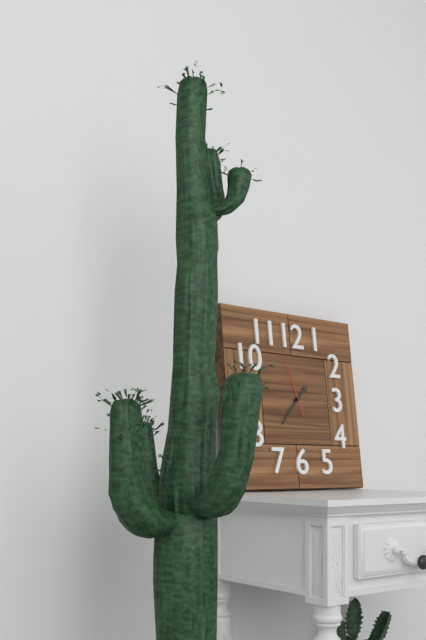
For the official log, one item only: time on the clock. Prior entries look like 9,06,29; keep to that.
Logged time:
1,37,57
